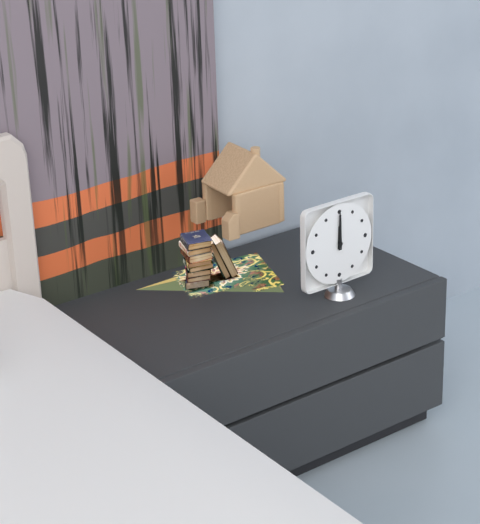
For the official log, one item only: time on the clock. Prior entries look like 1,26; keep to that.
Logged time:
12,00
